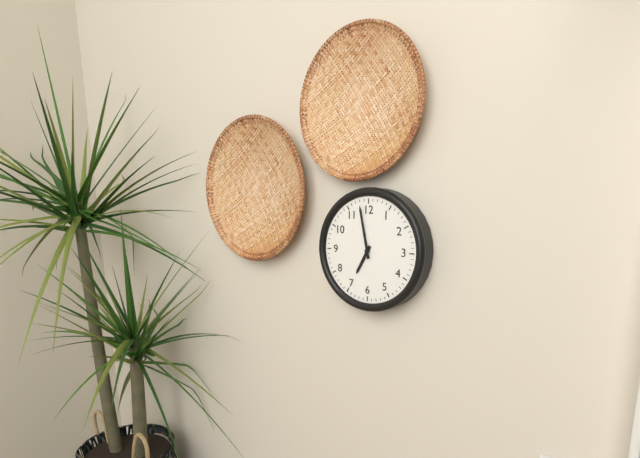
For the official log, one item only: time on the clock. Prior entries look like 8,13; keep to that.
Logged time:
6,58
